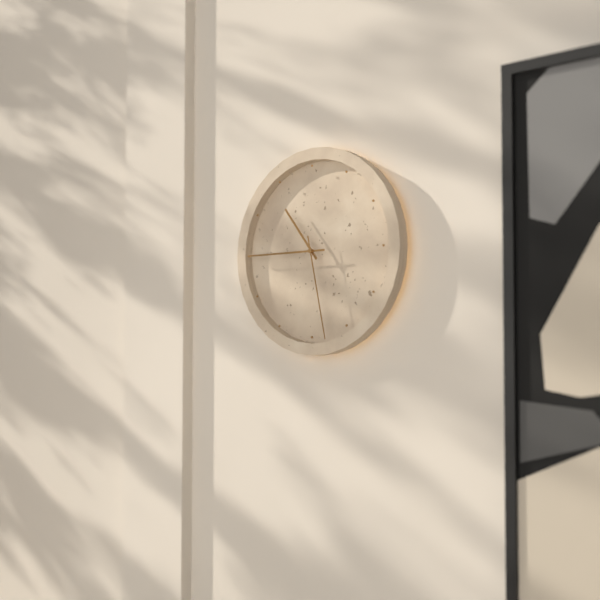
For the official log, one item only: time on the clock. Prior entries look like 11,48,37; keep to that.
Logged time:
10,45,28
